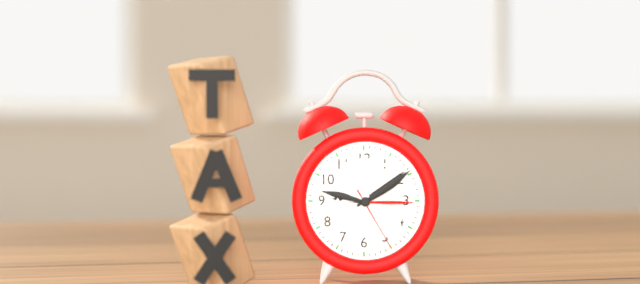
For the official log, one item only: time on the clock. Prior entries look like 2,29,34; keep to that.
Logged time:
9,09,25
